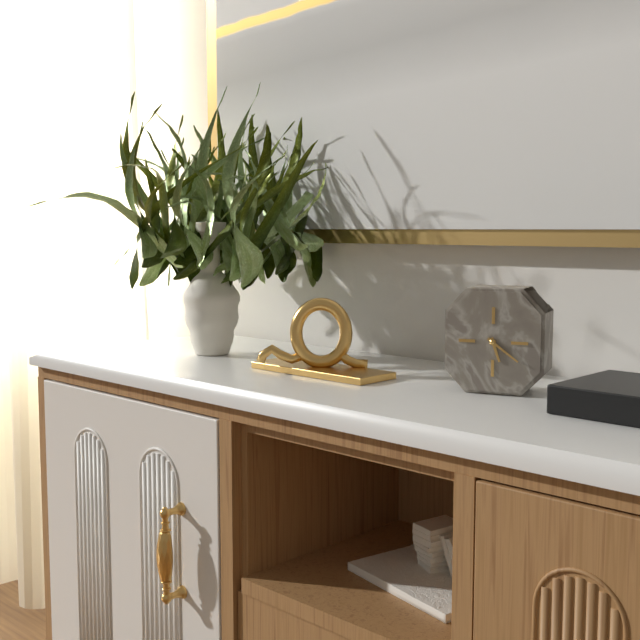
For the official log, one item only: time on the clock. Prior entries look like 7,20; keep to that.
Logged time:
5,21
